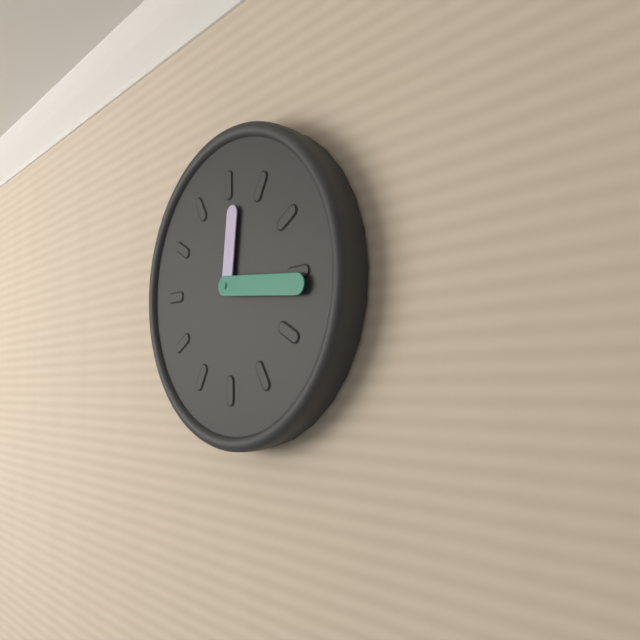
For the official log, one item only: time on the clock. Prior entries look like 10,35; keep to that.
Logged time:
12,16
